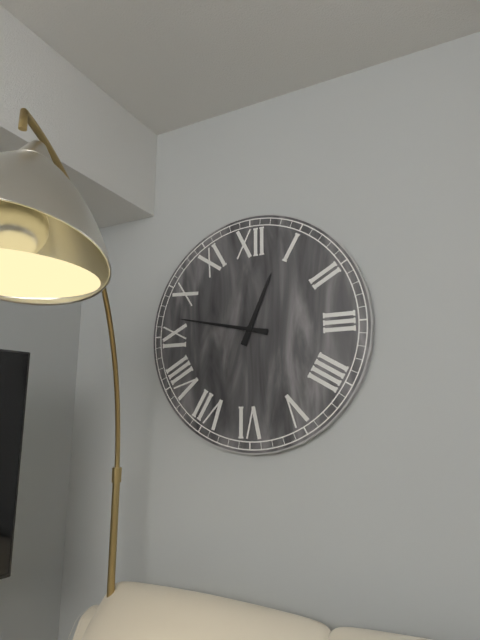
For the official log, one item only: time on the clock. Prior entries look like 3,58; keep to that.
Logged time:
12,47
